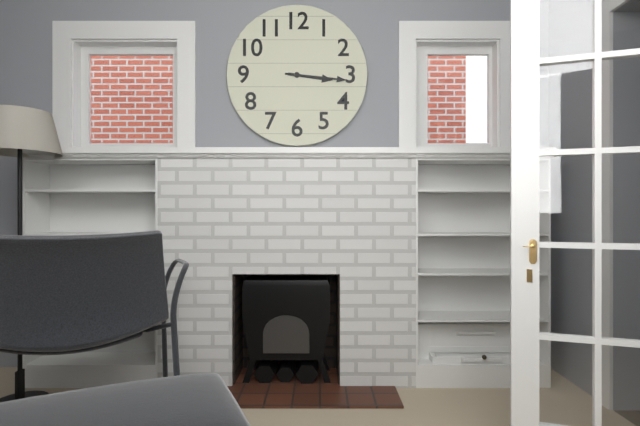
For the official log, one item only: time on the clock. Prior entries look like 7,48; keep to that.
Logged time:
3,16
